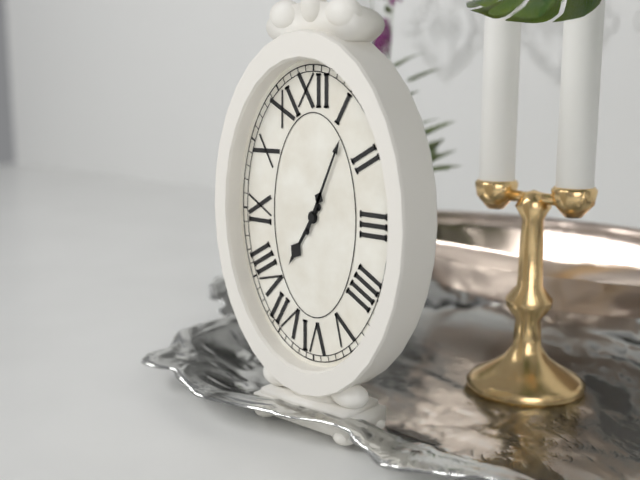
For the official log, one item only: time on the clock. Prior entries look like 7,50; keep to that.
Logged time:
7,04
